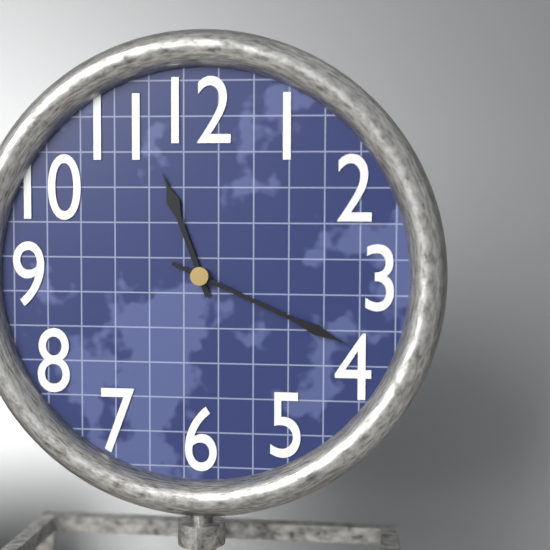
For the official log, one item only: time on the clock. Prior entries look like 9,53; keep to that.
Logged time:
11,19
